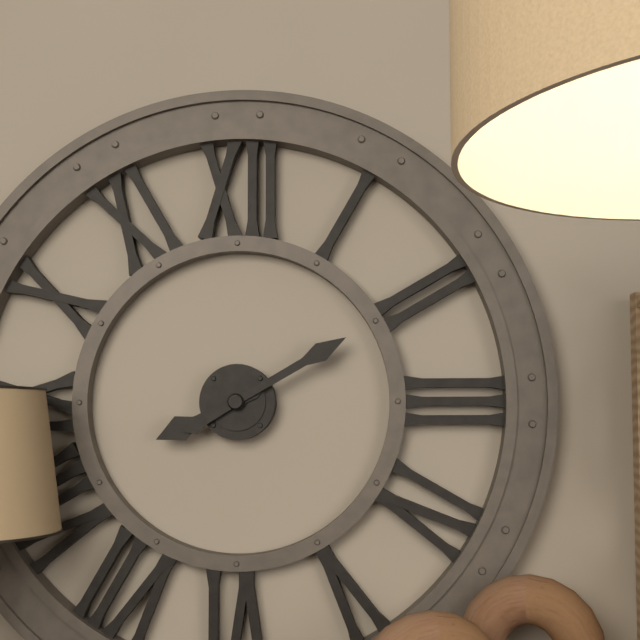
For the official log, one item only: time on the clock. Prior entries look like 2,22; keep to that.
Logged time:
8,10
